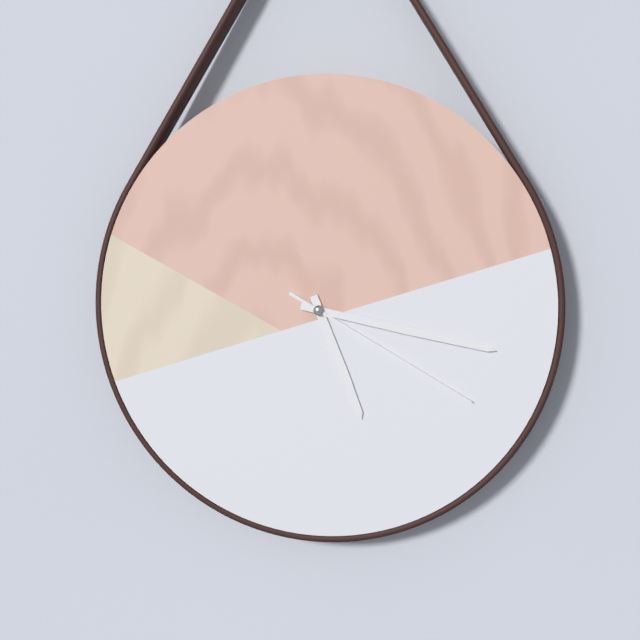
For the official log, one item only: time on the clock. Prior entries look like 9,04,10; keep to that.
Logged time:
5,17,20
